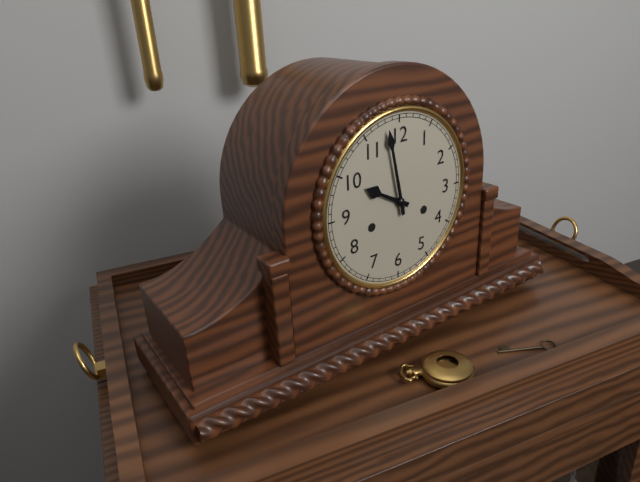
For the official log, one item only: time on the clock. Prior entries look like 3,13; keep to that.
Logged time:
9,58
